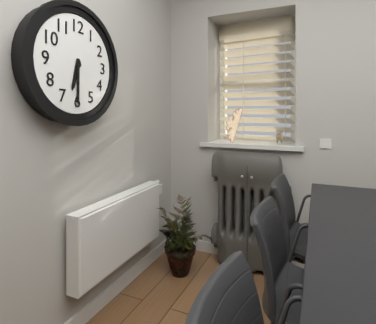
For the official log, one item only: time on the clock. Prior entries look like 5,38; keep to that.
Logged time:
6,30
